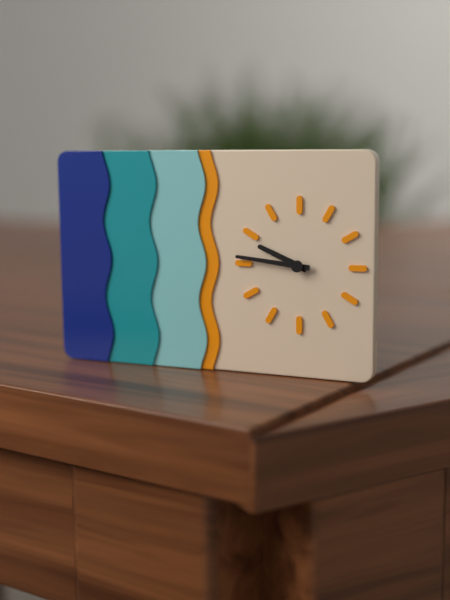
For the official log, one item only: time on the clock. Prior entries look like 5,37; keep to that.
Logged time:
9,46
